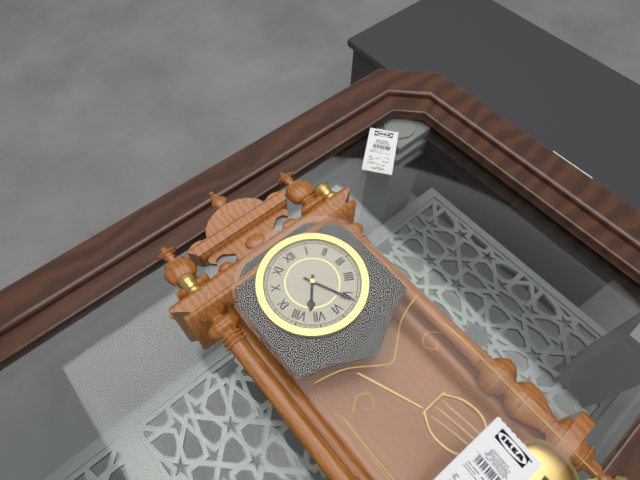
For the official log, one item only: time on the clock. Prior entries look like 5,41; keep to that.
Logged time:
7,26
